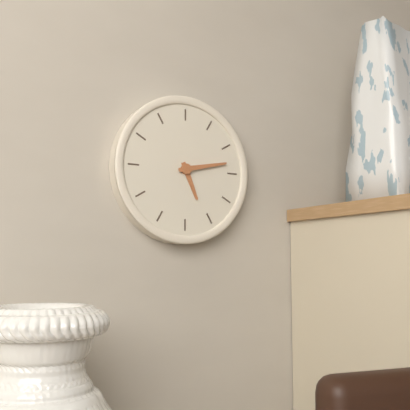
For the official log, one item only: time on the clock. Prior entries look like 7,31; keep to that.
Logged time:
5,13
